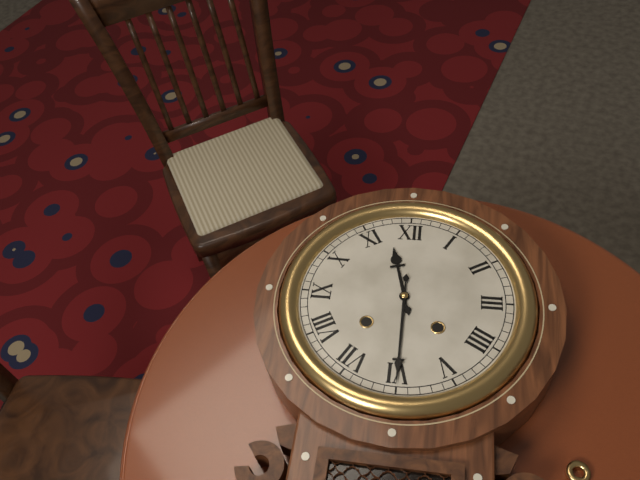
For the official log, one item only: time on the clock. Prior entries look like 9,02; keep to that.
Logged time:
11,30
